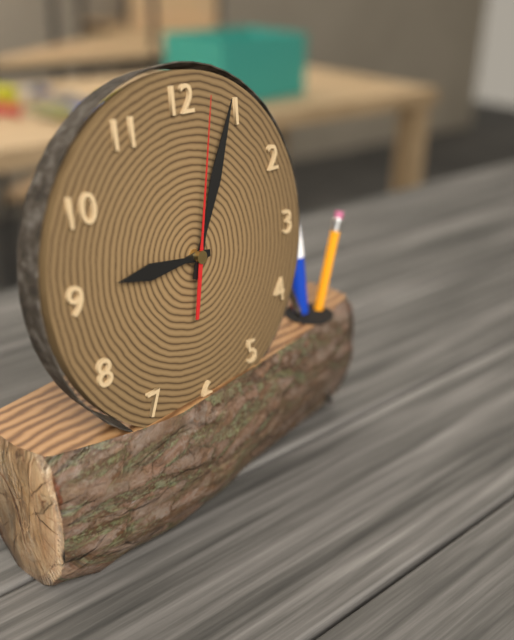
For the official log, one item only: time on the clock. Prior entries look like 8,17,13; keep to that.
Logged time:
9,04,02
